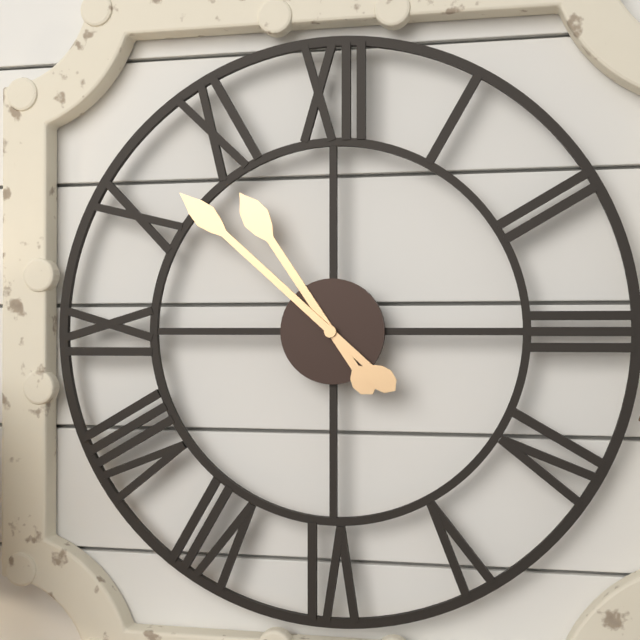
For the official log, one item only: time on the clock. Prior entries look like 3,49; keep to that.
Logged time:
10,52
